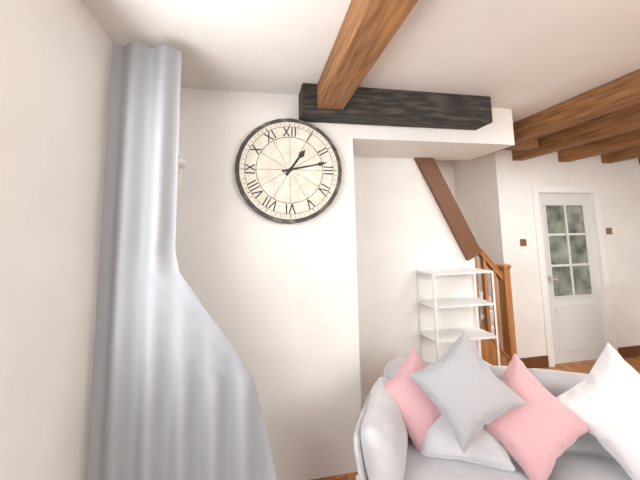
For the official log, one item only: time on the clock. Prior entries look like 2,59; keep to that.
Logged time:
1,13
